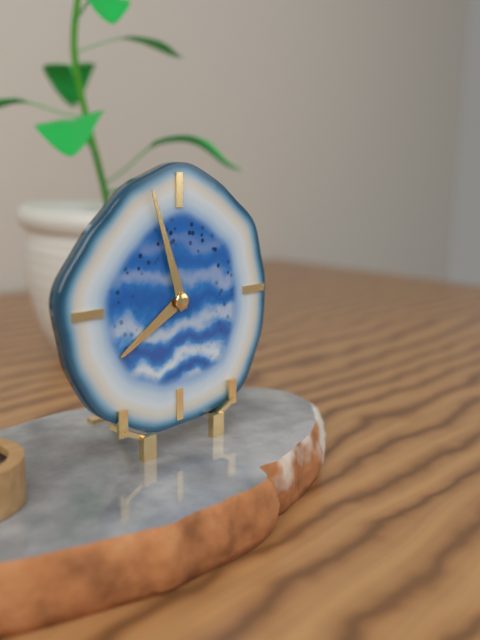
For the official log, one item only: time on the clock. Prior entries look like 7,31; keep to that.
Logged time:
7,57
